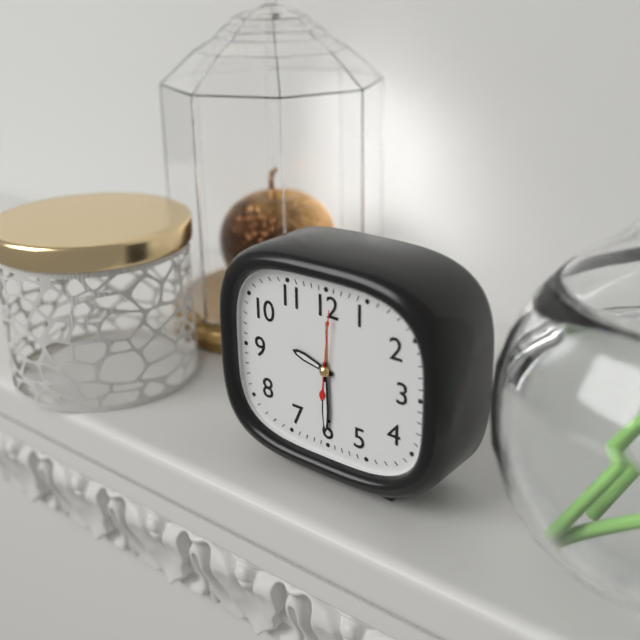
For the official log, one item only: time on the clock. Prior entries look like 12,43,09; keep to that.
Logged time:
9,30,01
